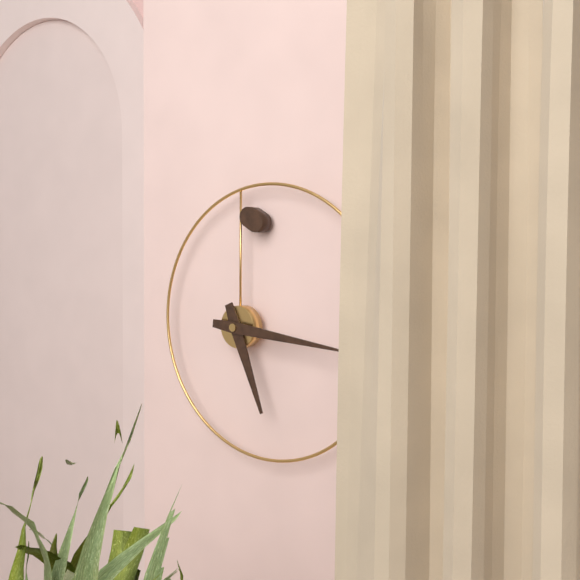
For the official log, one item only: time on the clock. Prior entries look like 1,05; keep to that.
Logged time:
5,16
